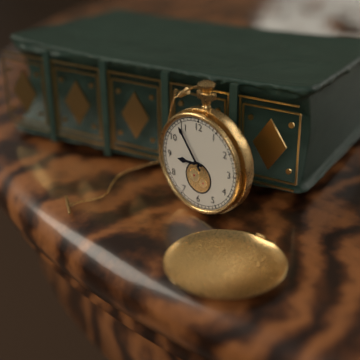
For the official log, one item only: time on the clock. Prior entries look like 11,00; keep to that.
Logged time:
8,54
